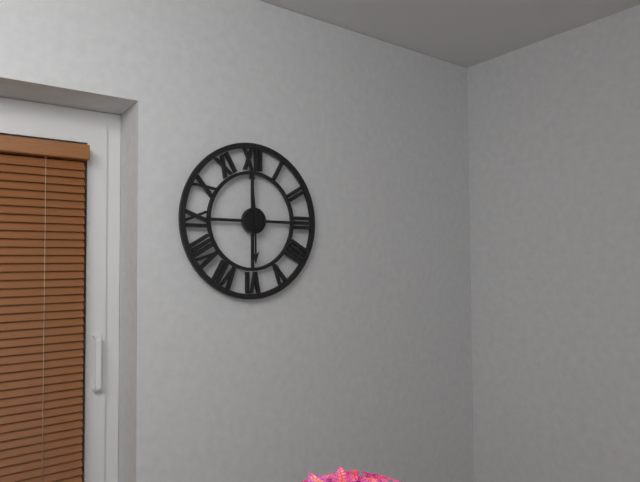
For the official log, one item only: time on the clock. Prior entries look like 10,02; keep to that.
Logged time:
5,59
